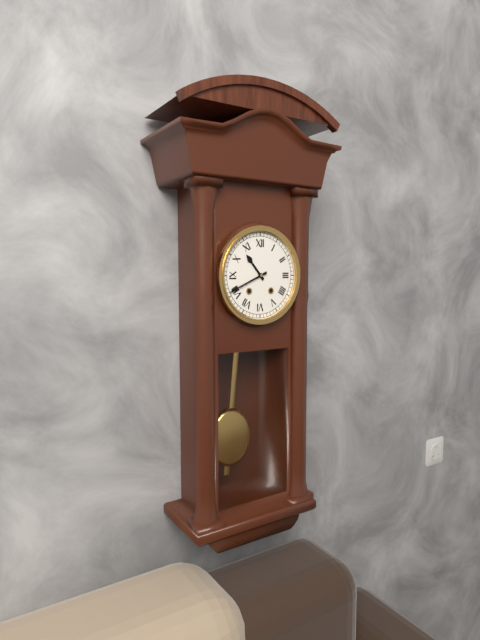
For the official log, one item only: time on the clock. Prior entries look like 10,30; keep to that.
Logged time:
10,41
